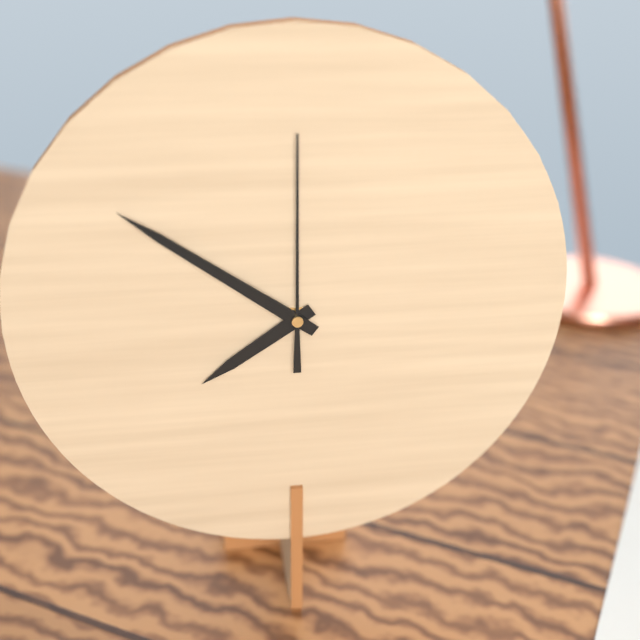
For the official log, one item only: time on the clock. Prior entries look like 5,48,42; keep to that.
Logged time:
7,51,00
